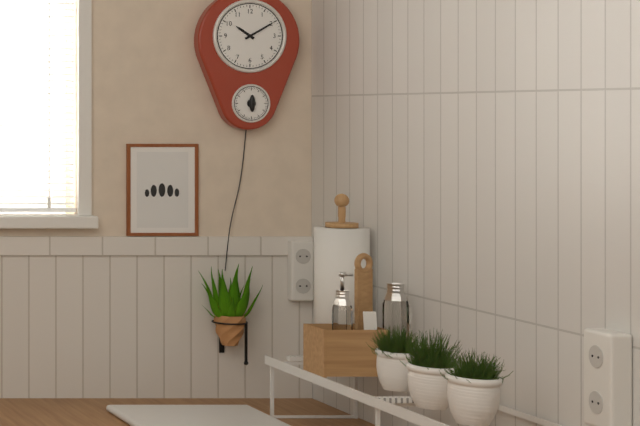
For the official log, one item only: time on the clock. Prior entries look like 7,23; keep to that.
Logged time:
10,10
